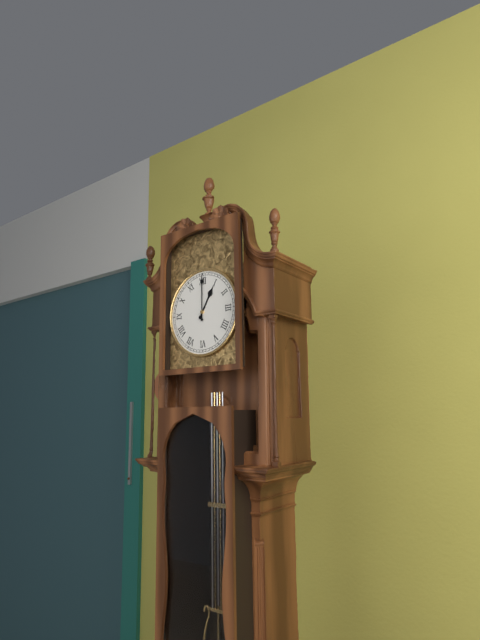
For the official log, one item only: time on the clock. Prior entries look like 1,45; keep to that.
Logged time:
1,00
